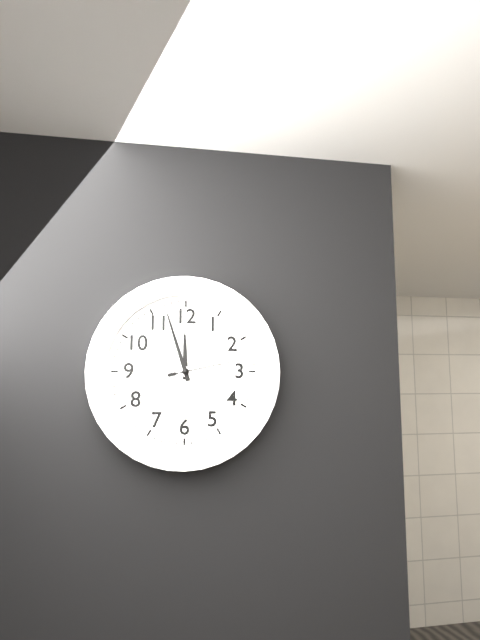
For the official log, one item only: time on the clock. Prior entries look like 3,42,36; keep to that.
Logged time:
11,57,13
